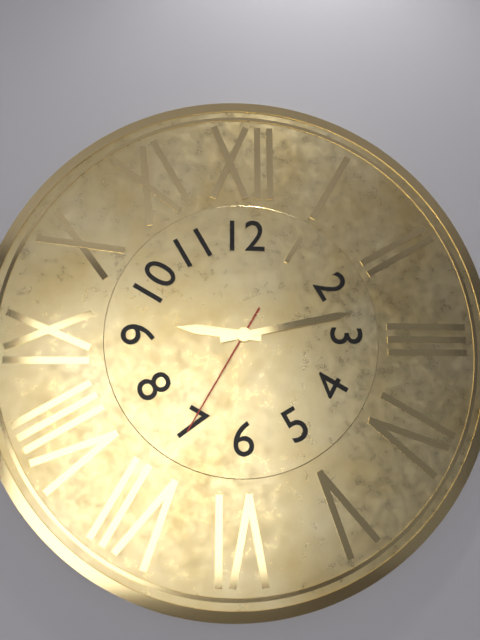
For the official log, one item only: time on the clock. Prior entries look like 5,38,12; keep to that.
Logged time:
9,13,35
